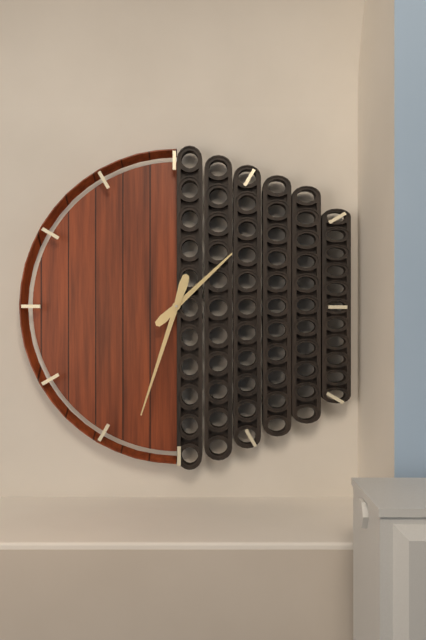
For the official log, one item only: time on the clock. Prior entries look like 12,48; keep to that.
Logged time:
1,33
